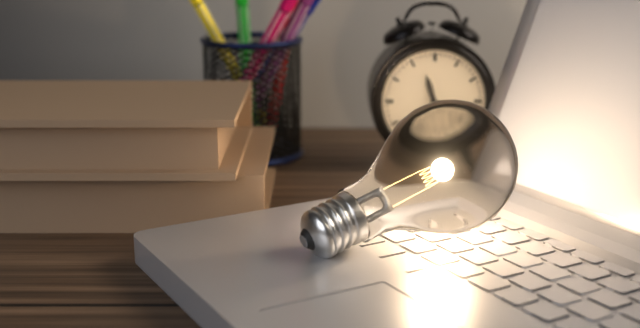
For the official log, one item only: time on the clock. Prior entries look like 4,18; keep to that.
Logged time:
11,26
